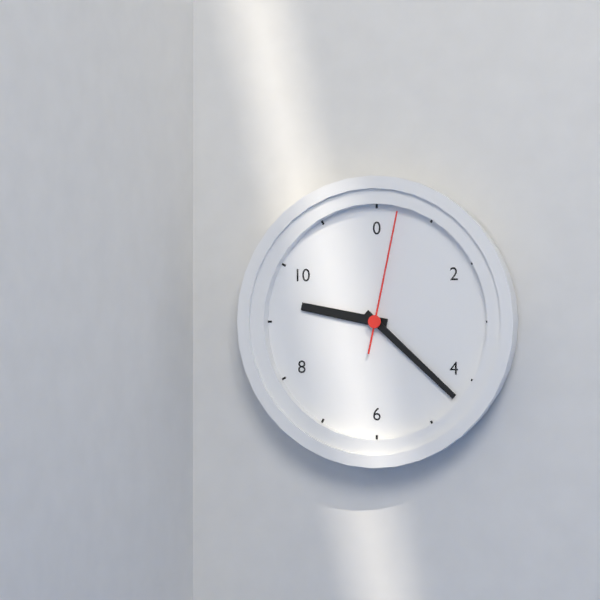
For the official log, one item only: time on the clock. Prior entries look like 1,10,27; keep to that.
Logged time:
9,22,02
